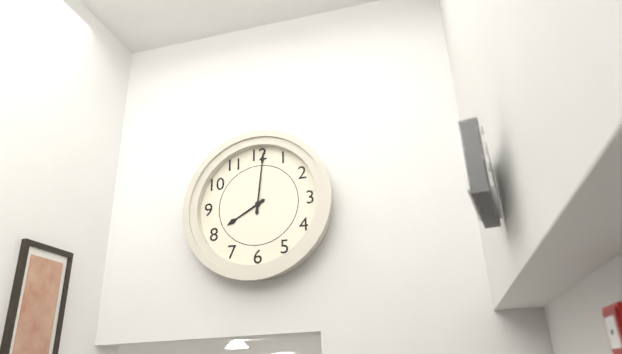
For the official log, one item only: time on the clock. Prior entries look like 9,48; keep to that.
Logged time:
8,01
